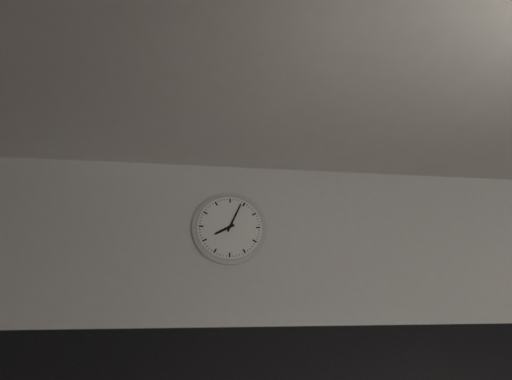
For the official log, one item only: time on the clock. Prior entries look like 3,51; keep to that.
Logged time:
8,04
